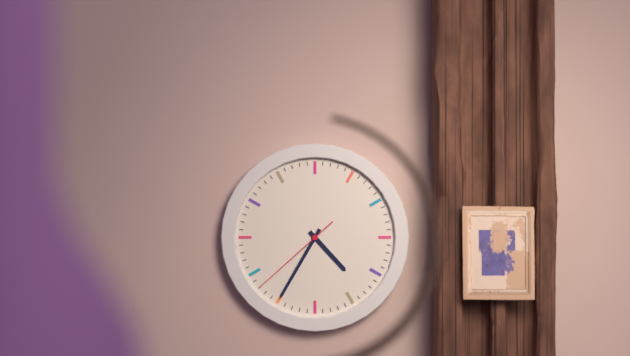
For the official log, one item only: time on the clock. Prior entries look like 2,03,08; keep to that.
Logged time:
4,35,38
